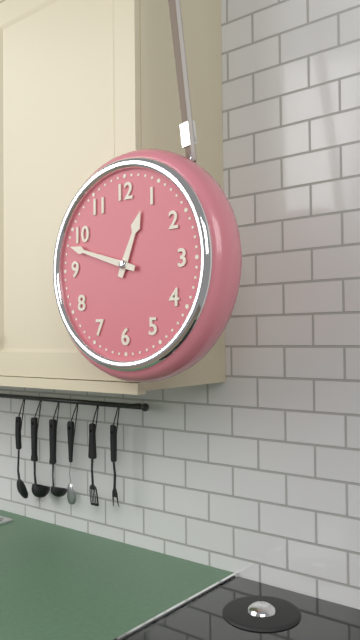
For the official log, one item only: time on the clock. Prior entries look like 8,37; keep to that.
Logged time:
12,48
